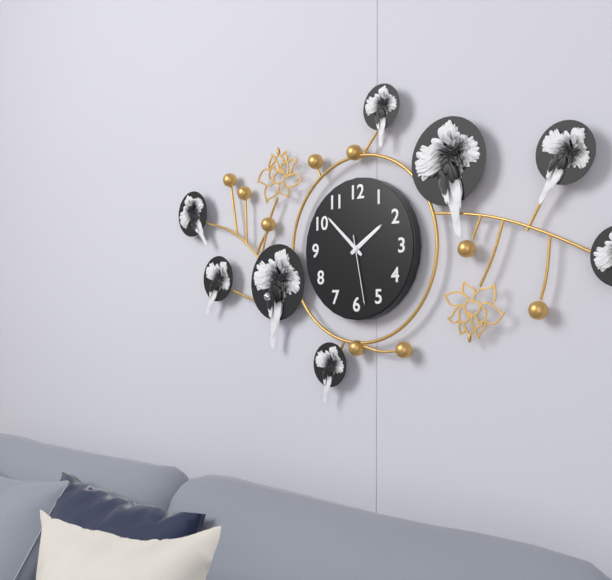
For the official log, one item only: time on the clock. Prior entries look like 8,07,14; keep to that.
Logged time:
1,52,28
